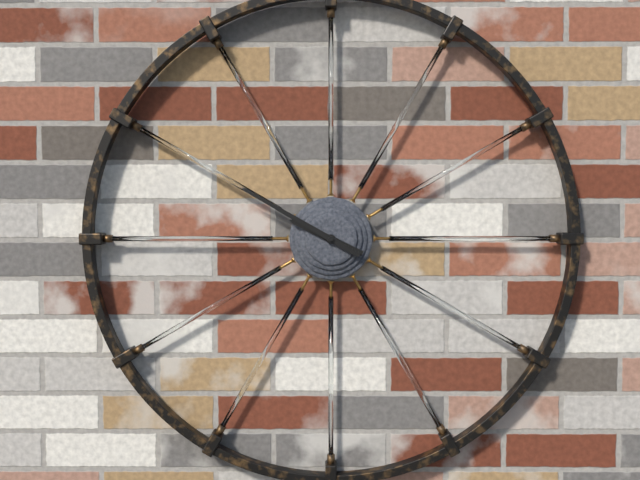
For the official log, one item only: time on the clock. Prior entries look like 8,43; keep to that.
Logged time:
9,50
